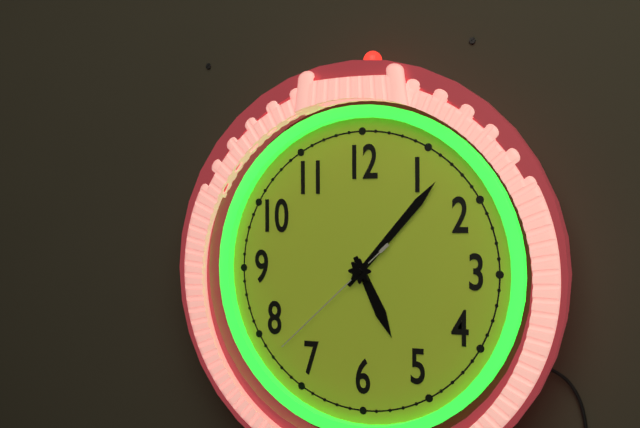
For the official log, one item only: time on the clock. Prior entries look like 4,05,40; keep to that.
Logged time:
5,07,38
